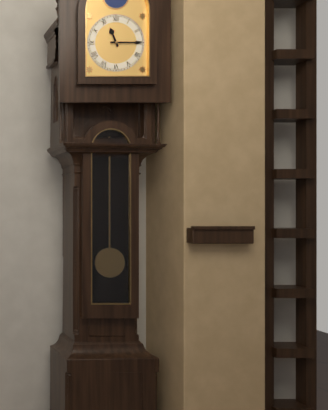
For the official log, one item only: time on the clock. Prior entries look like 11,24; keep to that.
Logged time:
11,15
